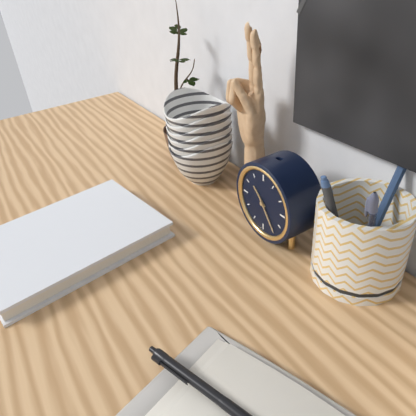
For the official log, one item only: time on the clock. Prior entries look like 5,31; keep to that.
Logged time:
10,24
